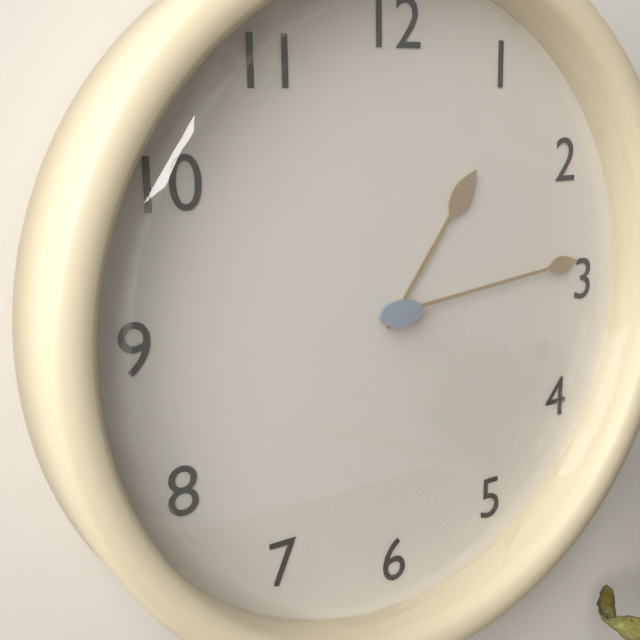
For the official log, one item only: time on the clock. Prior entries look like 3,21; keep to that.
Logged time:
1,14
